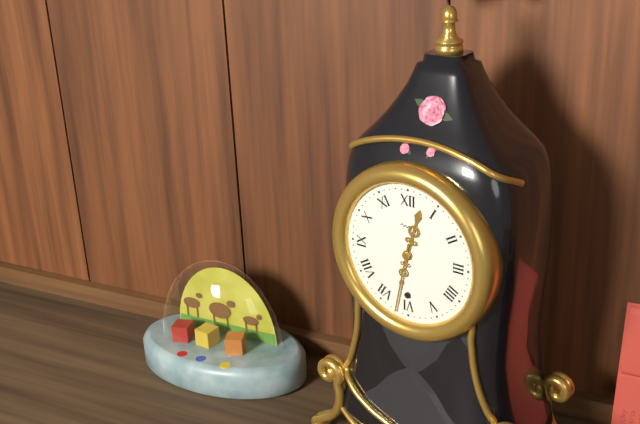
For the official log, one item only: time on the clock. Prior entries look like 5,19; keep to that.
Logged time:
12,32
